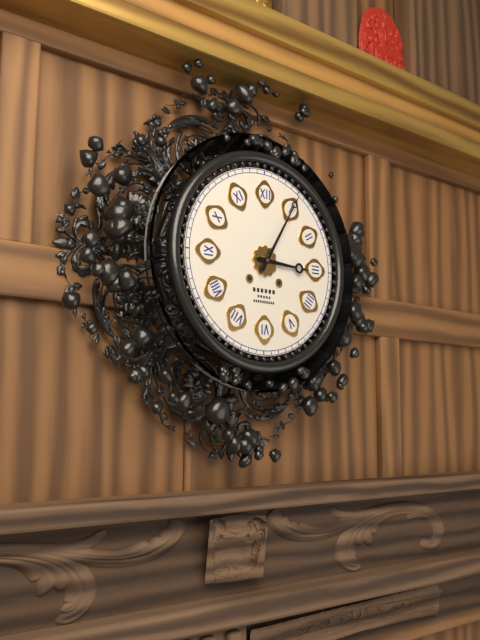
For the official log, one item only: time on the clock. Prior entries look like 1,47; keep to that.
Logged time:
3,05
